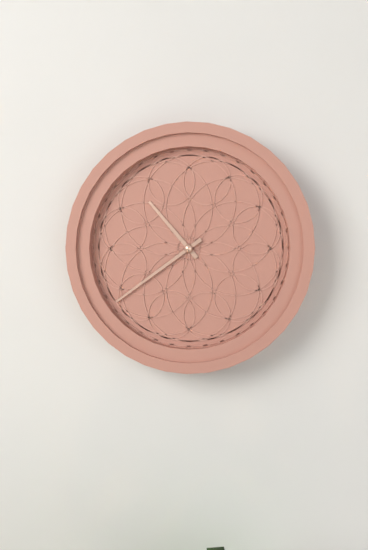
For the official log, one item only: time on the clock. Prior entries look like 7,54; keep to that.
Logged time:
10,39
